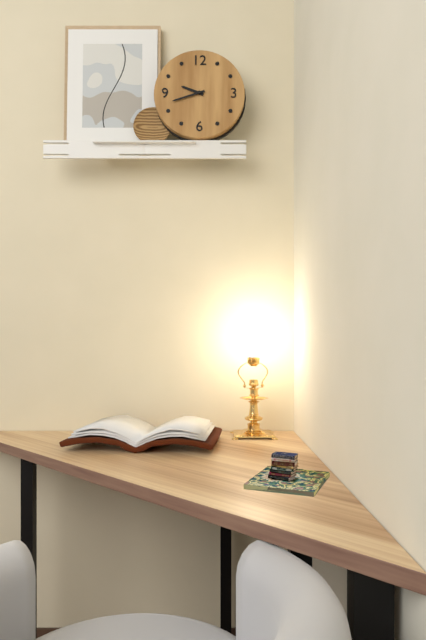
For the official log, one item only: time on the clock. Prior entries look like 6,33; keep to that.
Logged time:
9,42
